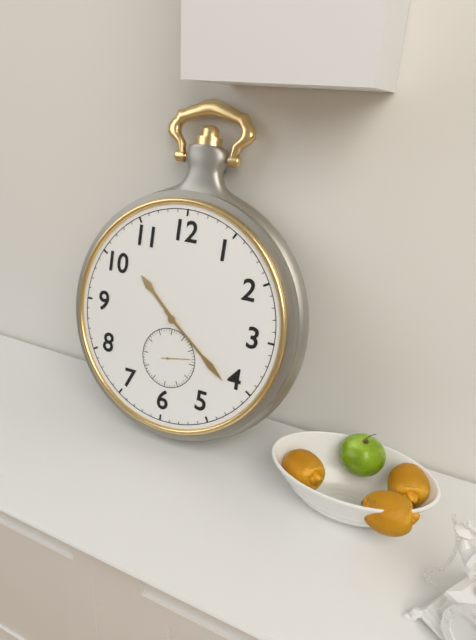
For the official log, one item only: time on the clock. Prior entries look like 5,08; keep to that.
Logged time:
10,21
